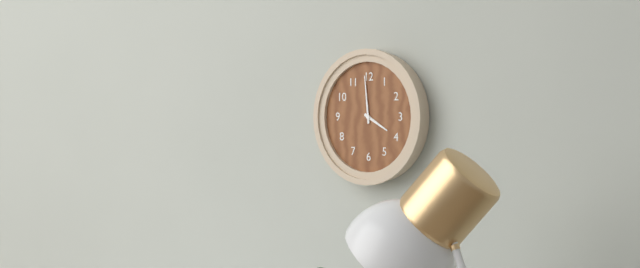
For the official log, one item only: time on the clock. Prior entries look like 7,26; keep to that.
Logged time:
3,59
